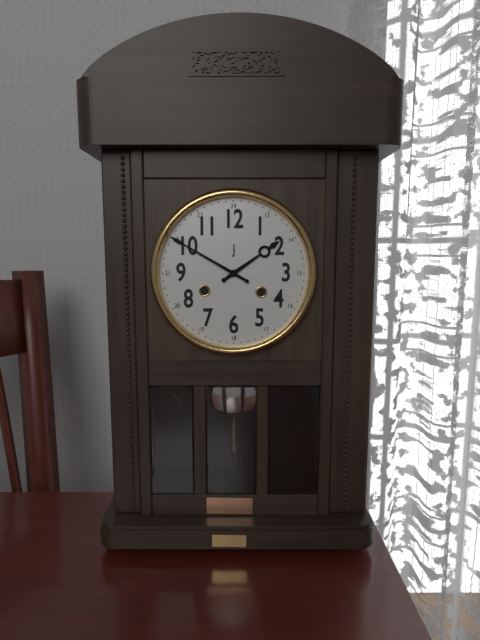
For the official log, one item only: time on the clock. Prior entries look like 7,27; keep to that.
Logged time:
1,50
